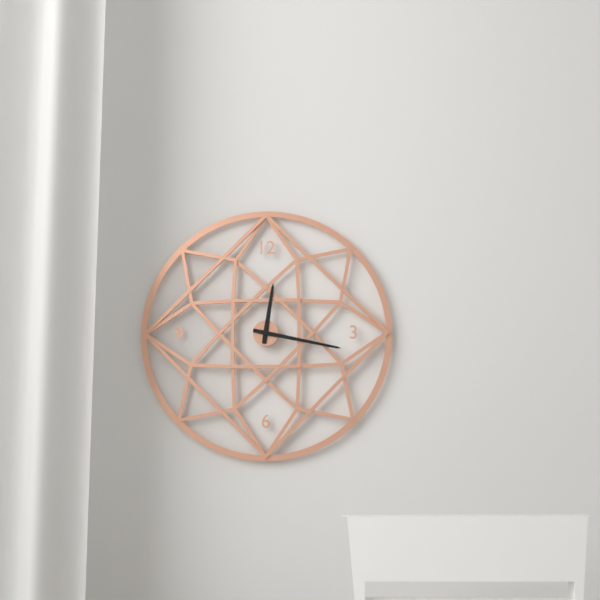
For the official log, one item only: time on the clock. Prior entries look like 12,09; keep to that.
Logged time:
12,17
